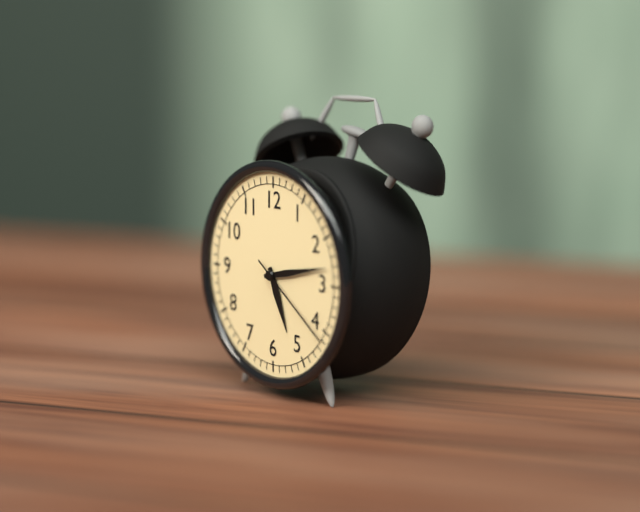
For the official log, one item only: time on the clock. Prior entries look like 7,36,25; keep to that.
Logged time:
5,13,21
